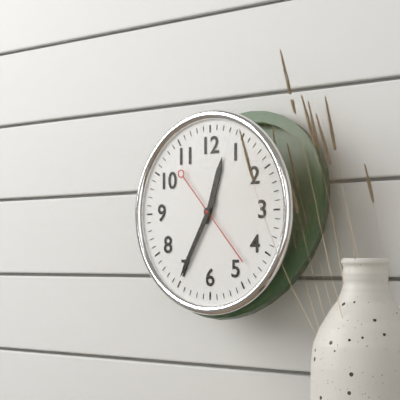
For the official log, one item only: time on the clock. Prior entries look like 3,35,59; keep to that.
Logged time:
12,35,23
